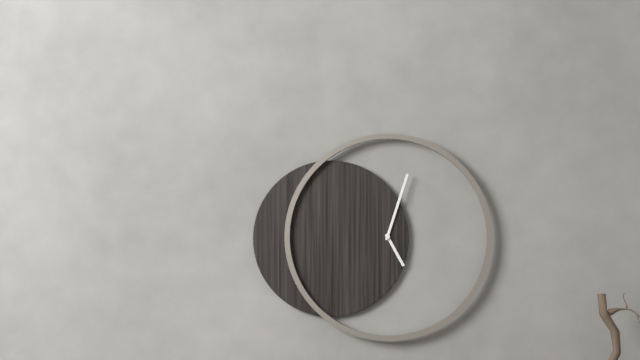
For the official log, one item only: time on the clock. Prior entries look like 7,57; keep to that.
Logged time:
5,03
